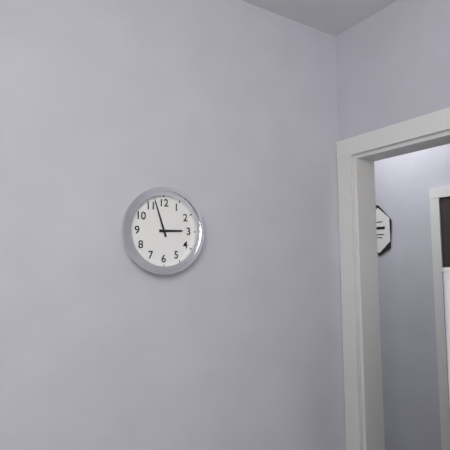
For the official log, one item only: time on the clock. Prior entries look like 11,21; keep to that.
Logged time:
2,57
